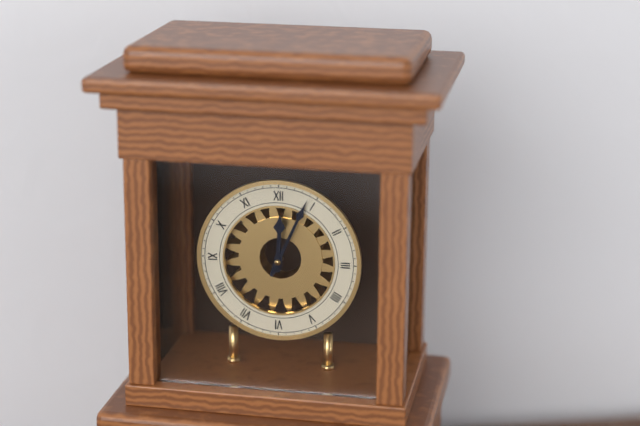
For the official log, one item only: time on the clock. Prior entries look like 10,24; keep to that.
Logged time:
12,04
